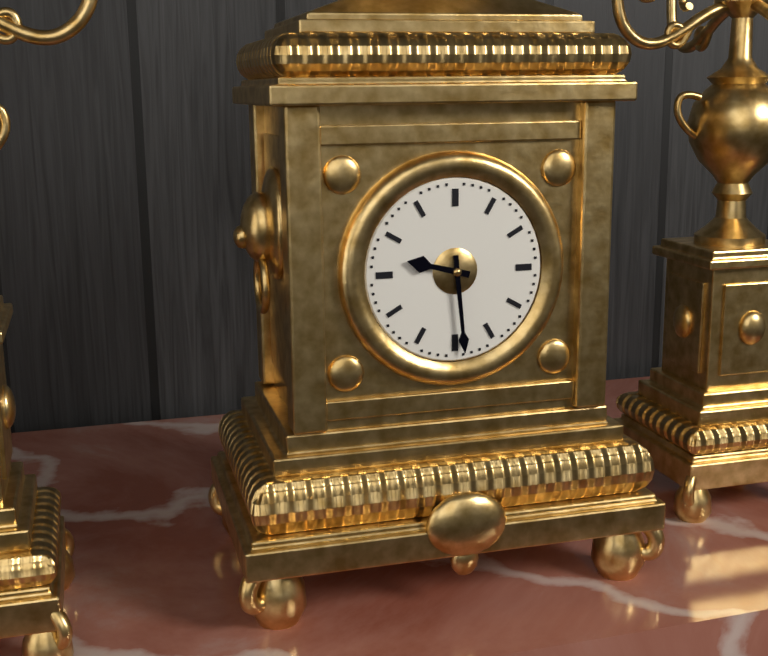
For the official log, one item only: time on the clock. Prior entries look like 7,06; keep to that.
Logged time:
9,29
